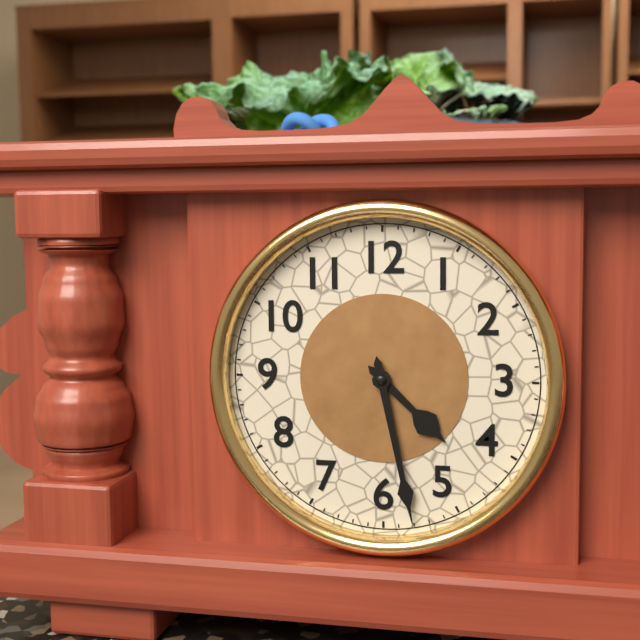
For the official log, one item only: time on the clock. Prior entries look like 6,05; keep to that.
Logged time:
4,28
